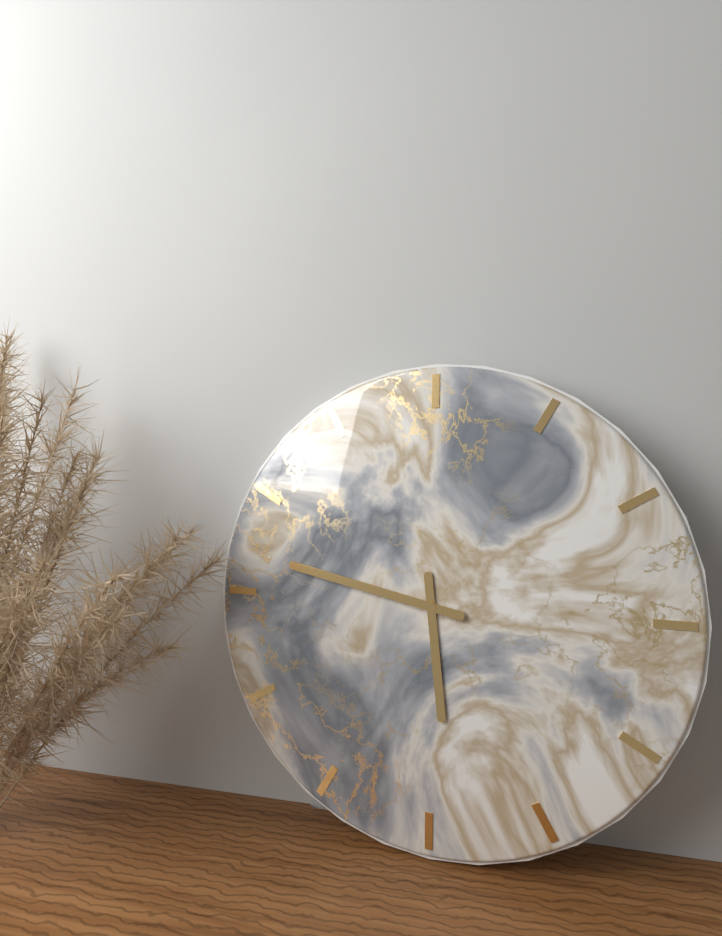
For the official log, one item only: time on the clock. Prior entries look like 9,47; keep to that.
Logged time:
5,47
